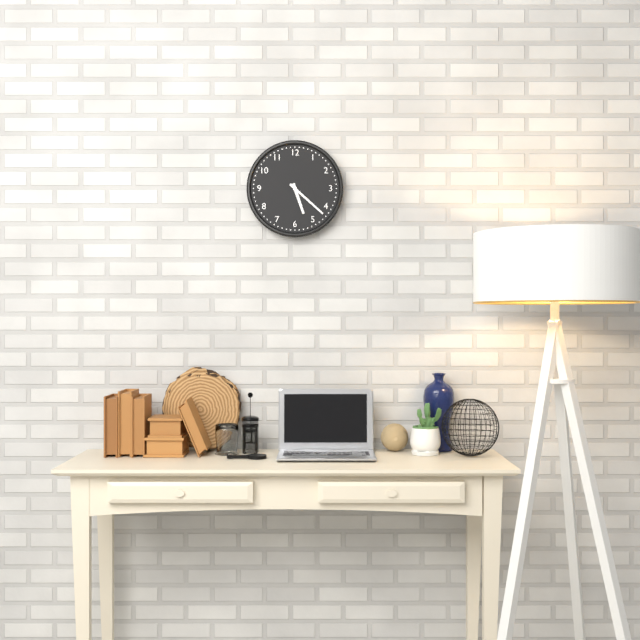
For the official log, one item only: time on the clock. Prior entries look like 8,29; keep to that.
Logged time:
5,22
